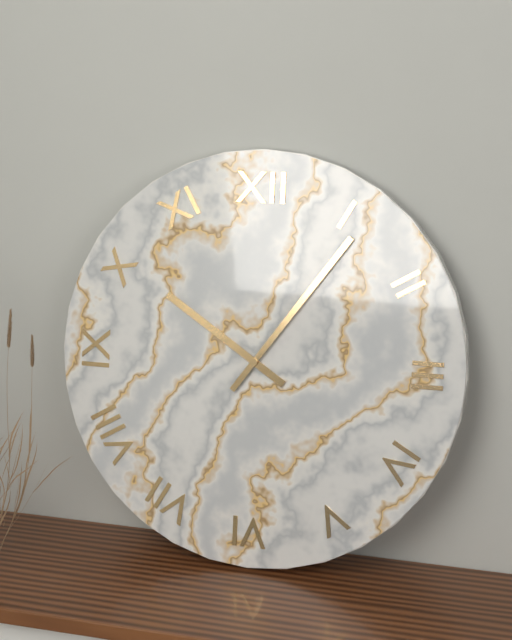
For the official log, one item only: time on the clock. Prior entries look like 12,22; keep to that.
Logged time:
10,06
